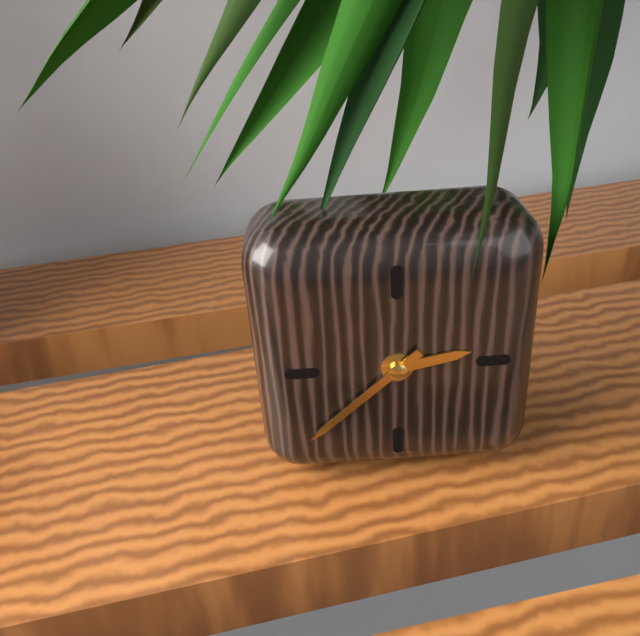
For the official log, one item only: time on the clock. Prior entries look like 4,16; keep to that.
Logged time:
2,38
